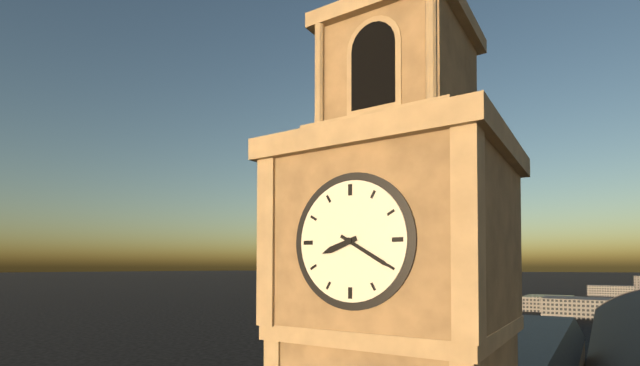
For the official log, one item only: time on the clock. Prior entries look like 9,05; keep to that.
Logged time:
8,20
